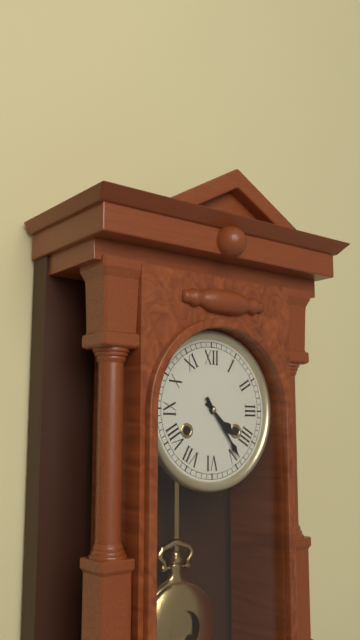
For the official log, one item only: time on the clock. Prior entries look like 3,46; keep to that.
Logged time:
4,24
